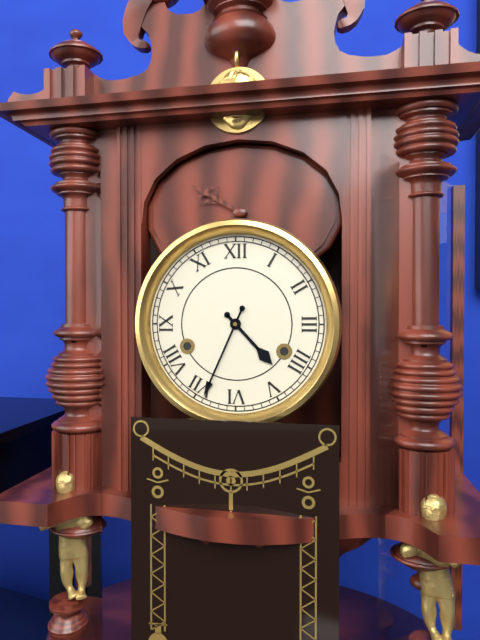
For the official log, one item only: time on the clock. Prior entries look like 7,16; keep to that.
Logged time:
4,34
